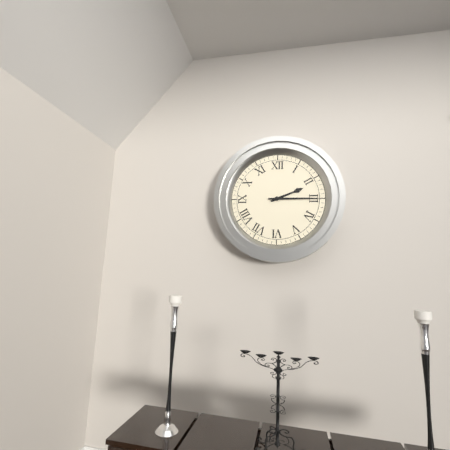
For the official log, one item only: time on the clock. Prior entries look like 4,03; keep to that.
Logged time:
2,15
